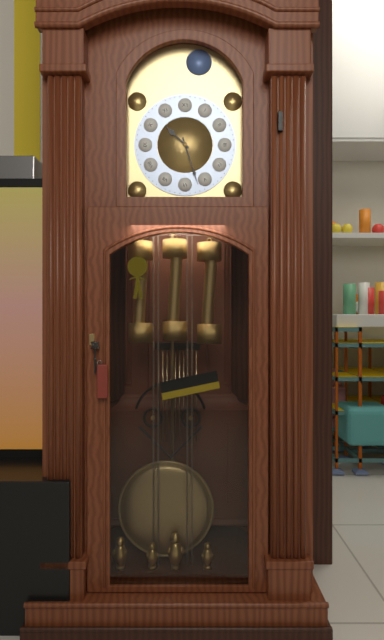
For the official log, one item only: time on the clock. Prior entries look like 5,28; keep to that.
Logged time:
10,27
